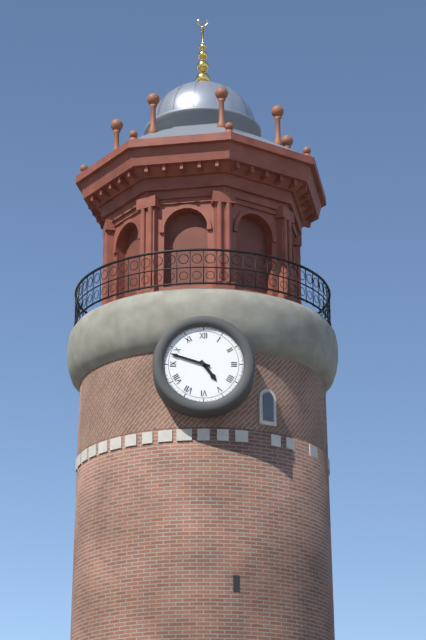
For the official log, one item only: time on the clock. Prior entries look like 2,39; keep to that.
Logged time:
4,48
